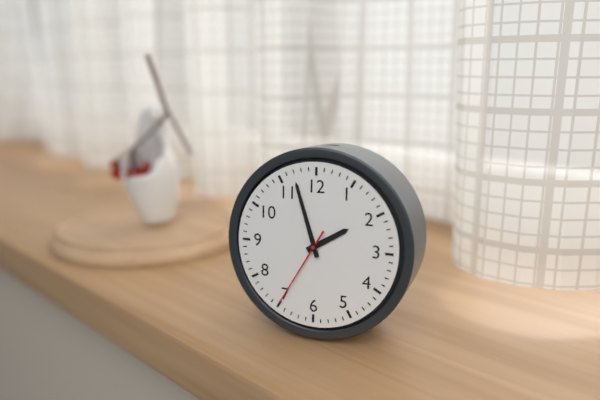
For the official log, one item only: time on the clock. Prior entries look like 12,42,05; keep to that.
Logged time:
1,57,35
